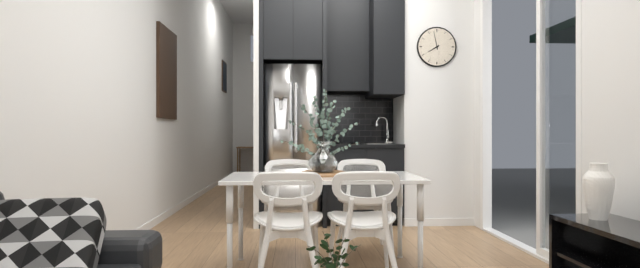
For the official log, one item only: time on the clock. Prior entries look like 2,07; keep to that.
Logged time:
7,58
